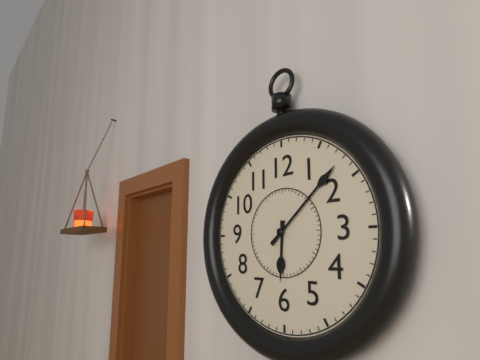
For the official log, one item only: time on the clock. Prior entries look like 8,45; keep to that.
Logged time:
6,08
